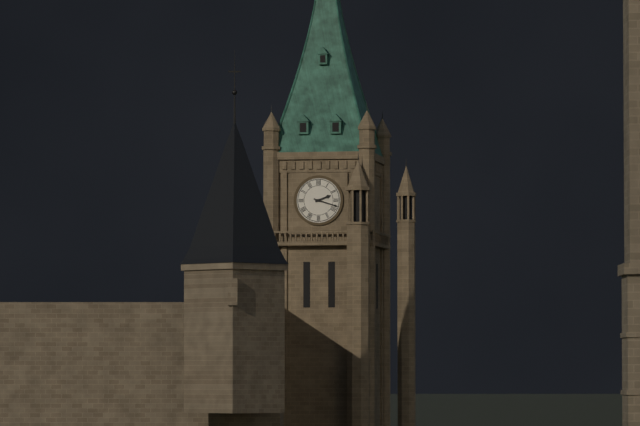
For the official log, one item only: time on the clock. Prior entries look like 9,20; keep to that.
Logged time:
2,18
